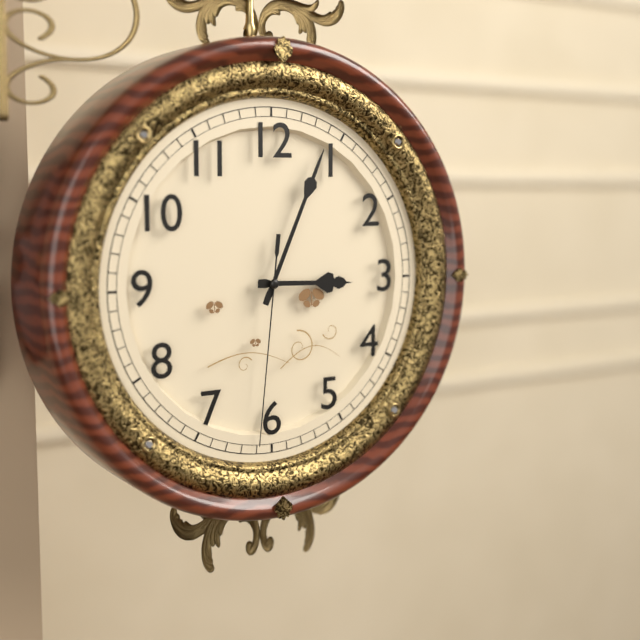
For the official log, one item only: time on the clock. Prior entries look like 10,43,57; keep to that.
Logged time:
3,04,31
